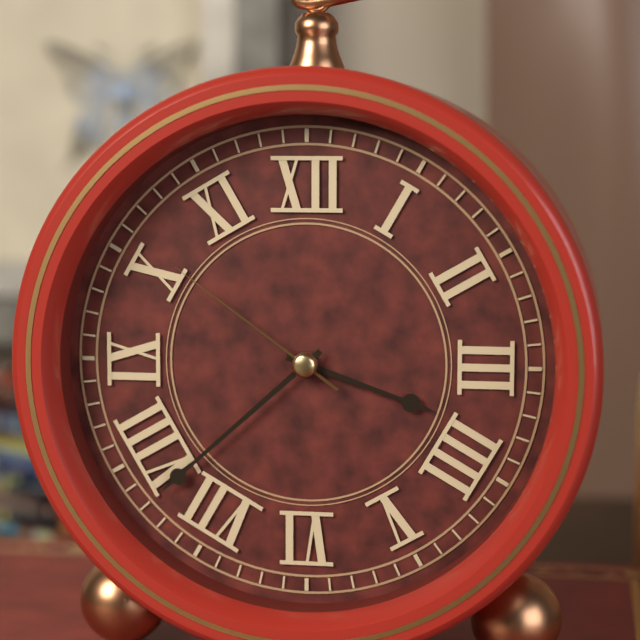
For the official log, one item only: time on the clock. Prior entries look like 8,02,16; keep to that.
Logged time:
3,38,51
